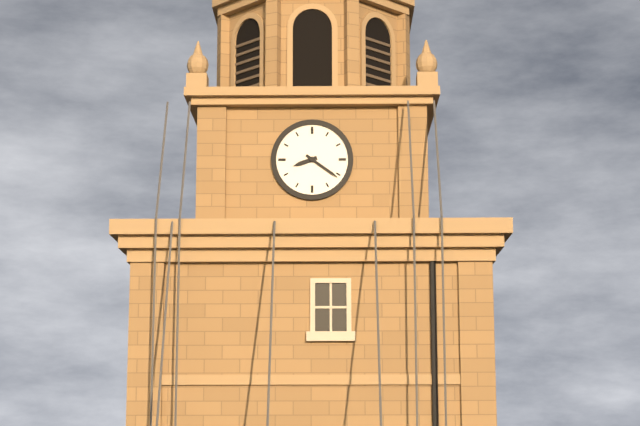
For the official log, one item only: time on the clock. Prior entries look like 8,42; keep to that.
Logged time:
8,21
